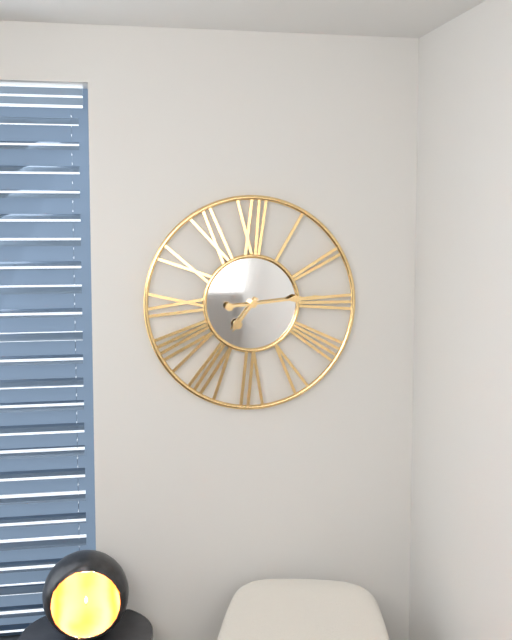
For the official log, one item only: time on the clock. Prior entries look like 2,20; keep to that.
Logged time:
7,14
